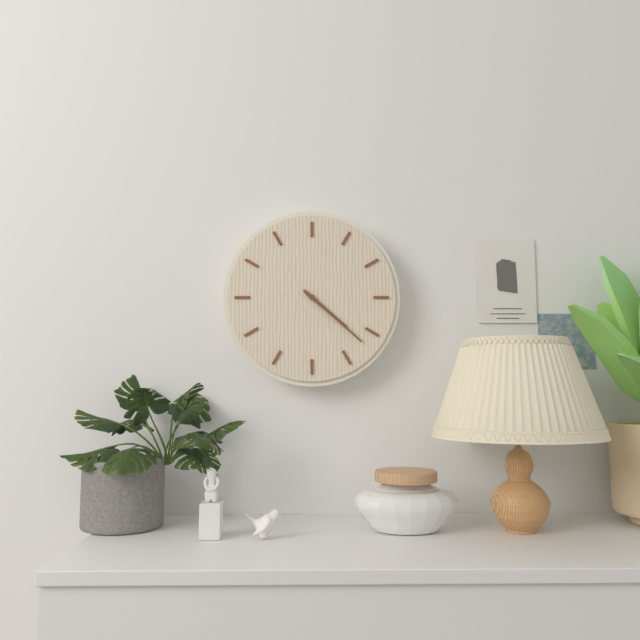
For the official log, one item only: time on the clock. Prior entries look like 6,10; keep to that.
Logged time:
4,22
